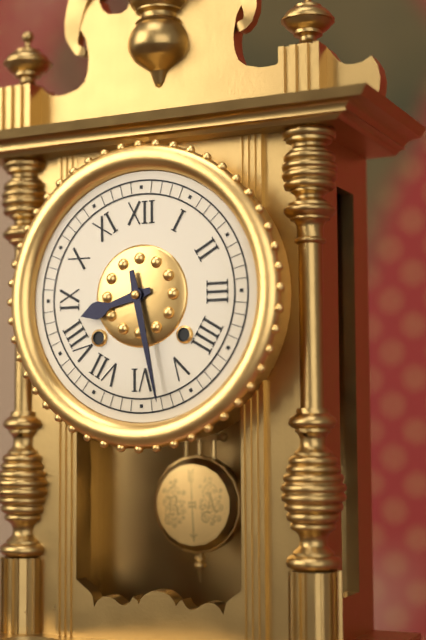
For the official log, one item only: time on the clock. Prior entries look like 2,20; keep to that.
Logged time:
8,28
